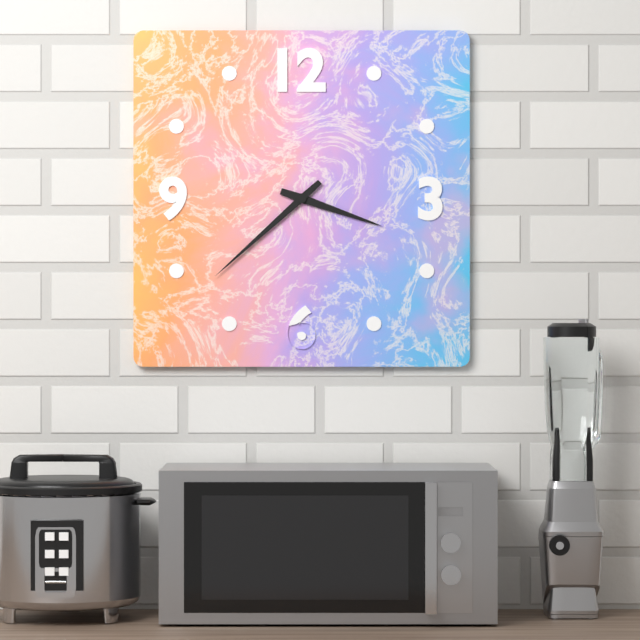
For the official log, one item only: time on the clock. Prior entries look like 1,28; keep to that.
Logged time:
3,38
